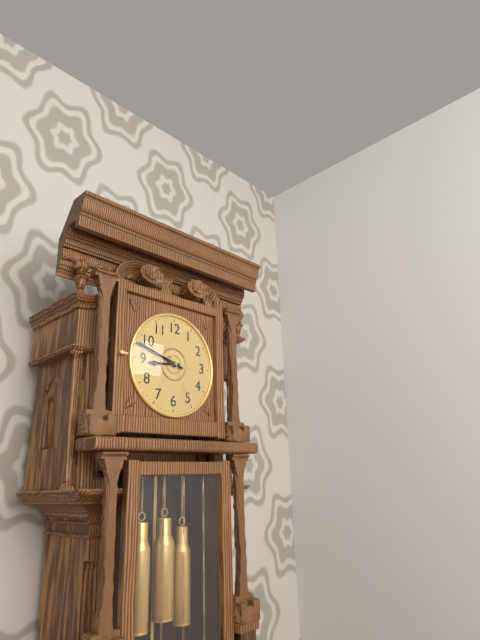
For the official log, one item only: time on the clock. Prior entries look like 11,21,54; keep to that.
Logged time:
8,48,25
